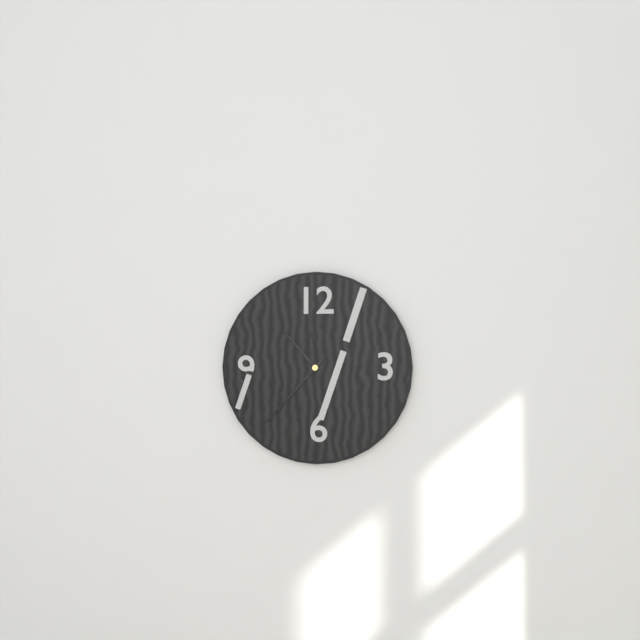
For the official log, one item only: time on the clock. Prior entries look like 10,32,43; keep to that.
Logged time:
10,37,59
